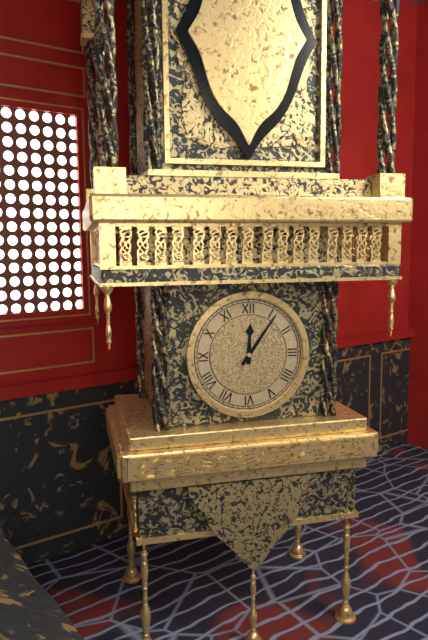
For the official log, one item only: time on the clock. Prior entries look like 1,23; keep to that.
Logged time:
12,06
